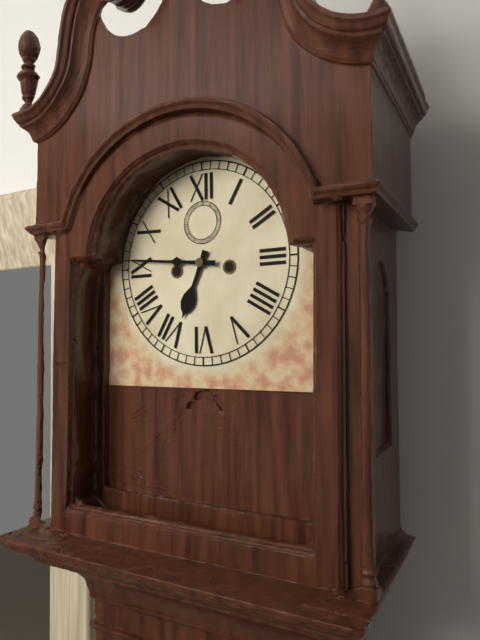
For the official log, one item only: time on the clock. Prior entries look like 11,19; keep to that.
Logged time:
6,46
